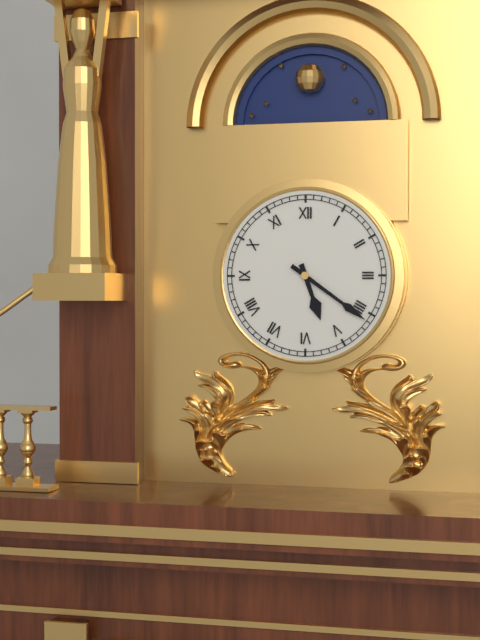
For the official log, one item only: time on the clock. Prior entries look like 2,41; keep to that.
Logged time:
5,21
